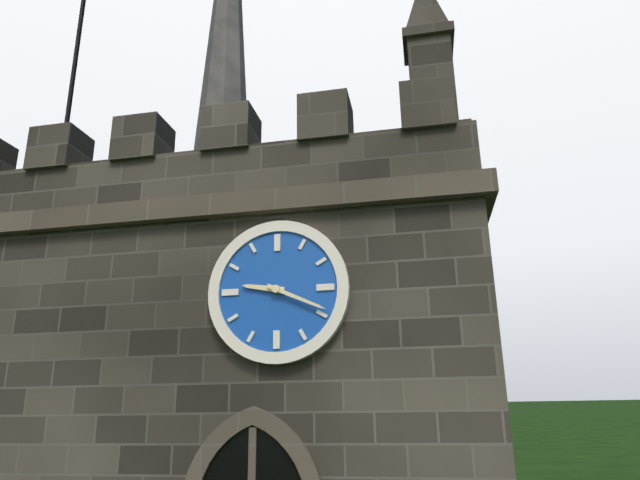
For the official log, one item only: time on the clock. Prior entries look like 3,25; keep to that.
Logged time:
9,19
